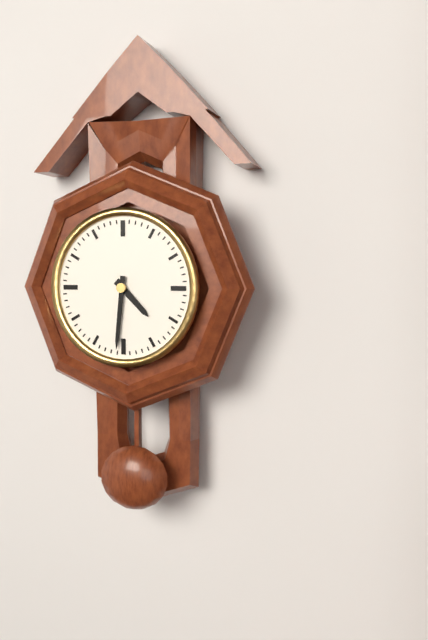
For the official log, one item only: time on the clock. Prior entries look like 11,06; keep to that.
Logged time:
4,31
